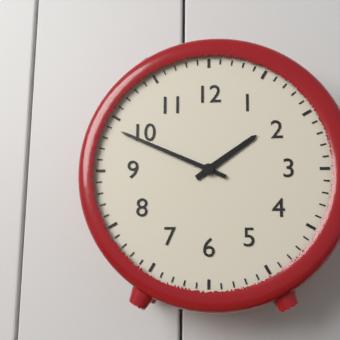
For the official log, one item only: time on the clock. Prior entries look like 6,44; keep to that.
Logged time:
1,49
